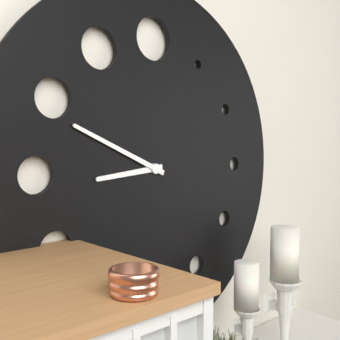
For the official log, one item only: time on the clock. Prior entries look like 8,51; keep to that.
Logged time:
8,49
